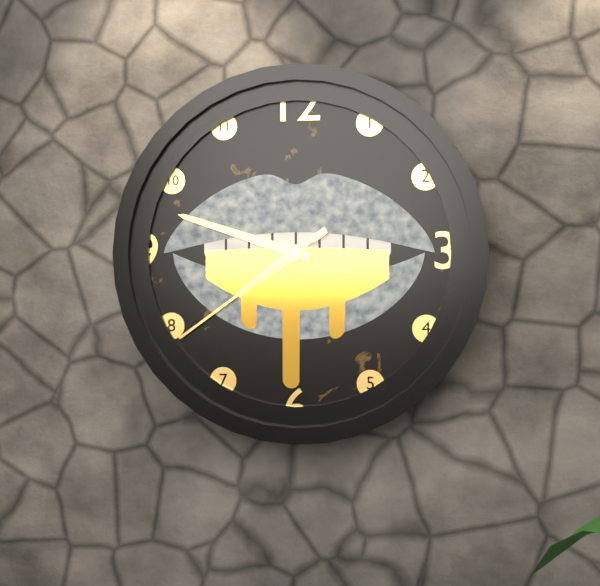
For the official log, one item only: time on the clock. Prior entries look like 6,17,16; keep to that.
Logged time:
7,48,39
